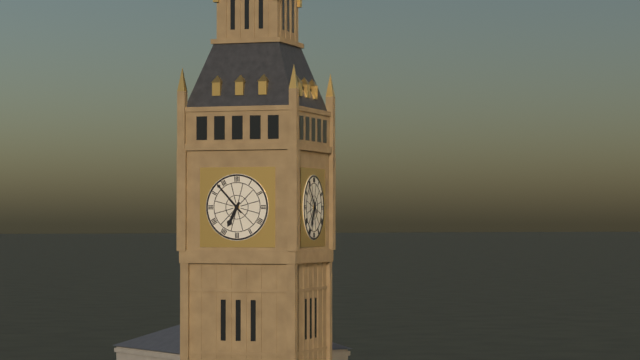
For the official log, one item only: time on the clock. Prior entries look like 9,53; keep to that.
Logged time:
6,53
